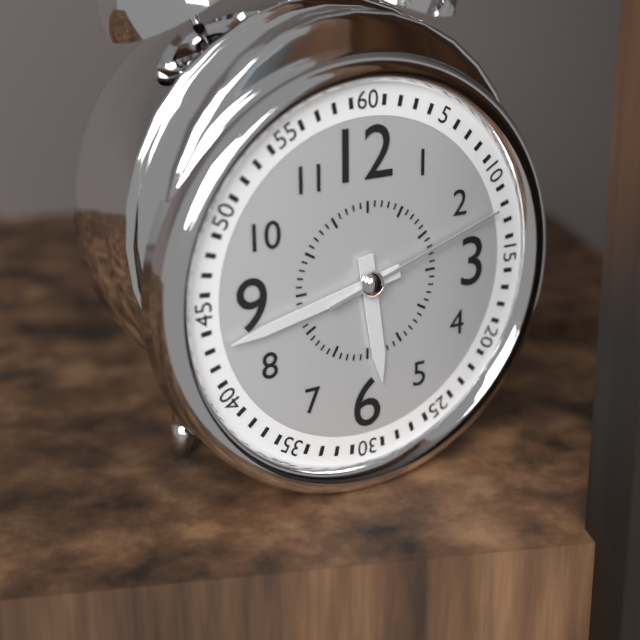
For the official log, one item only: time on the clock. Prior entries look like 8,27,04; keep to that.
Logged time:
5,43,12
